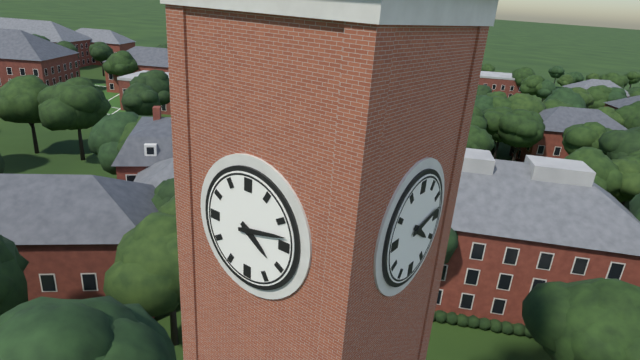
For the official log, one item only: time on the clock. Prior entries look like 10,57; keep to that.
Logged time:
4,13
